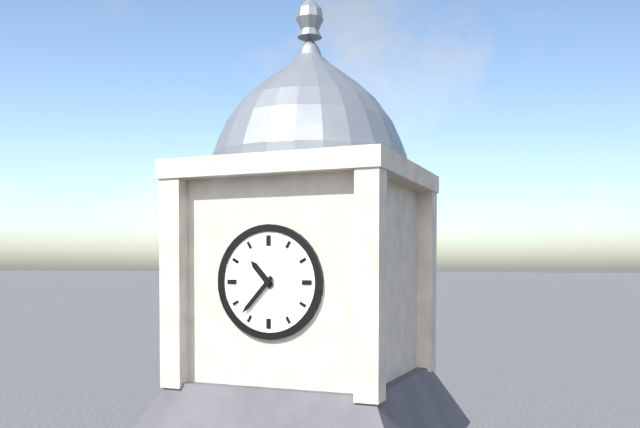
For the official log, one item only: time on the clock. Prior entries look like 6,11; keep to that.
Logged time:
10,37
